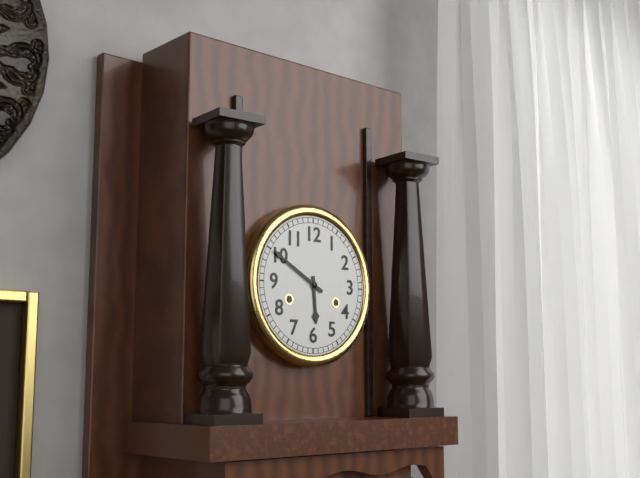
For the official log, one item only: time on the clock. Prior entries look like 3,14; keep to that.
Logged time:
5,50
